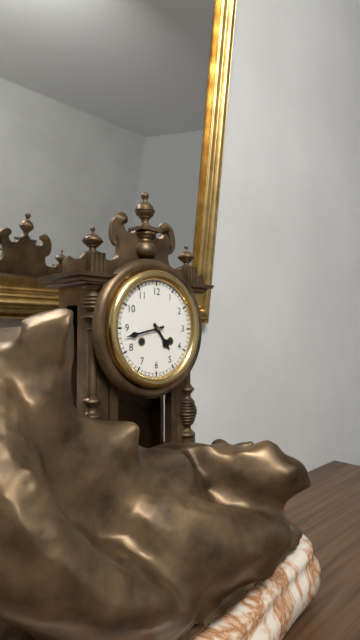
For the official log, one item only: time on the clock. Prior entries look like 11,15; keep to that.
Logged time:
4,43
